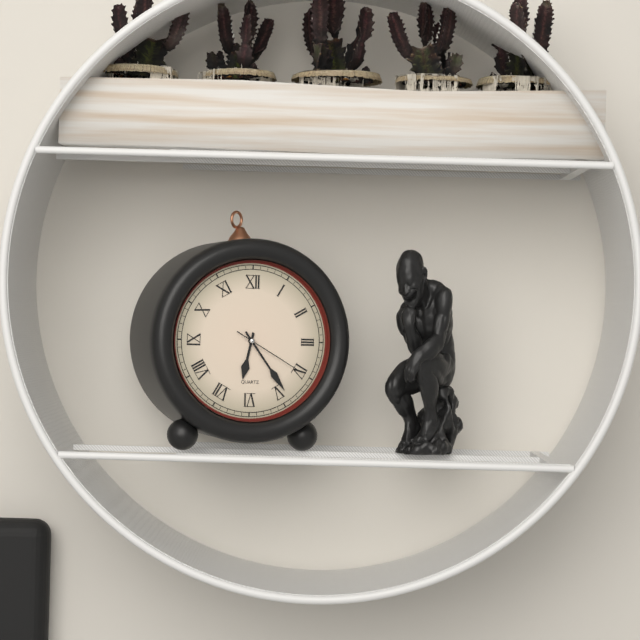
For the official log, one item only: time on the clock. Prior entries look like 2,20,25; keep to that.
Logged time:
6,24,20
